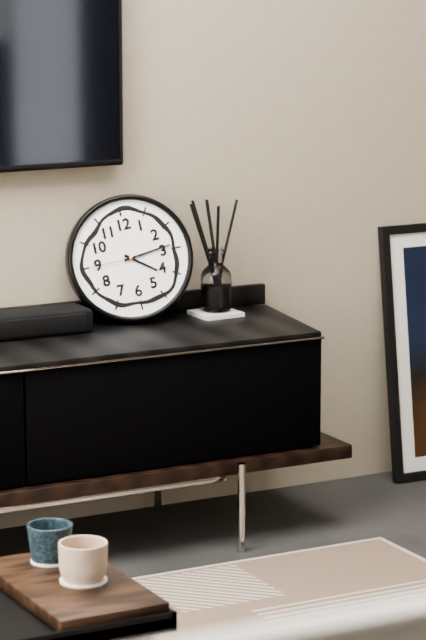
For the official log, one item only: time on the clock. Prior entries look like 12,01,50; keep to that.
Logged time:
4,14,45
